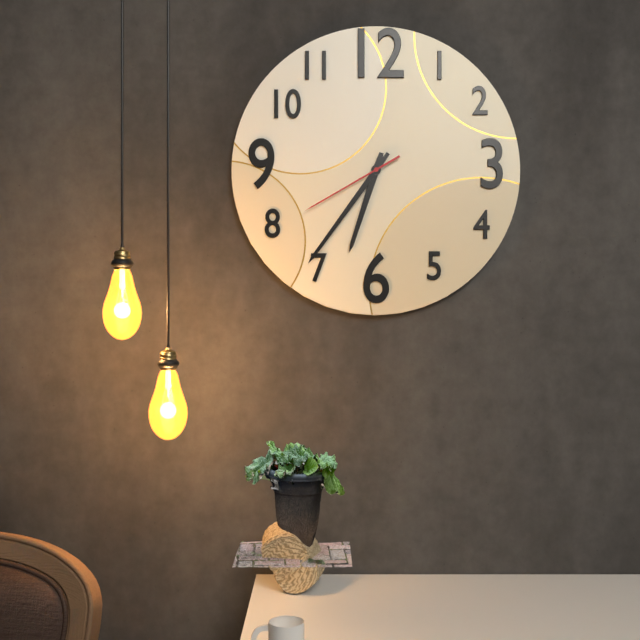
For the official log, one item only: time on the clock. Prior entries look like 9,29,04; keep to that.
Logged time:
6,36,40
